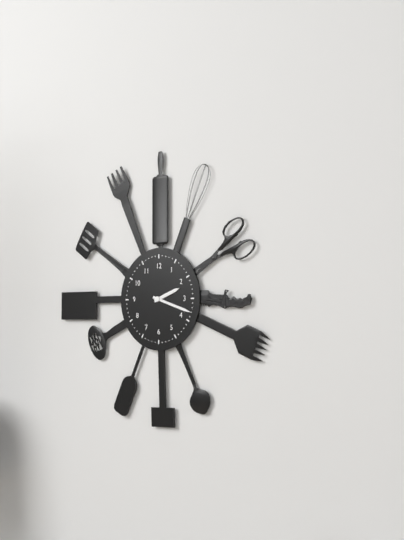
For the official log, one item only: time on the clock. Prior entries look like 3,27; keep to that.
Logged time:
2,18
